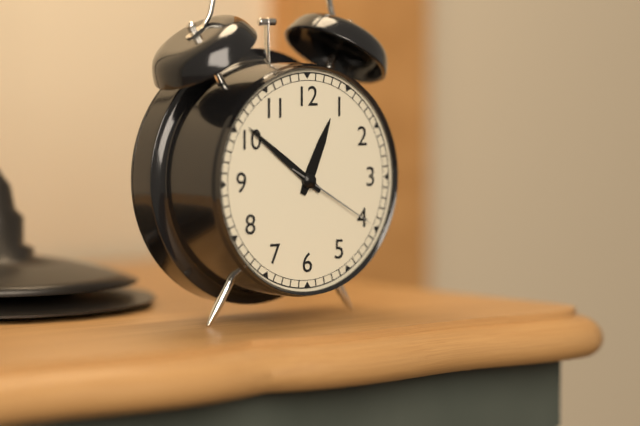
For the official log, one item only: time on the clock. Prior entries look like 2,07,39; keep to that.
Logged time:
12,51,20
